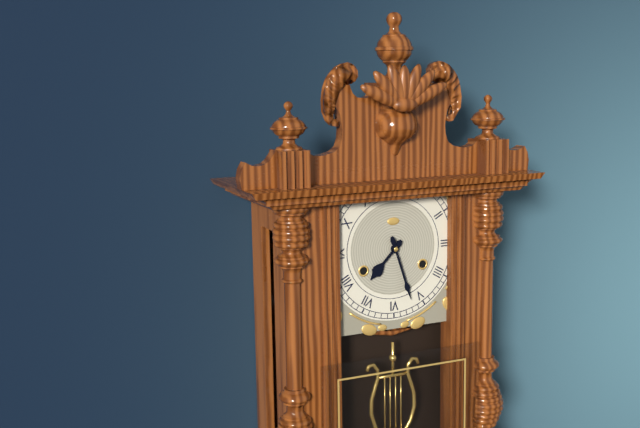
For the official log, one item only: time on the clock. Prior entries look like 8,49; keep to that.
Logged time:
7,27
